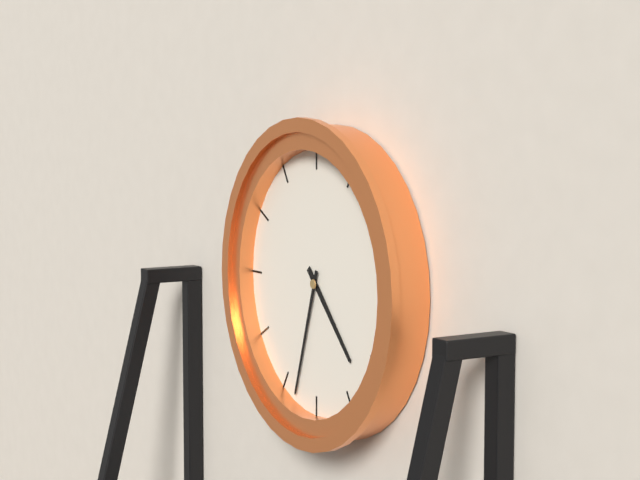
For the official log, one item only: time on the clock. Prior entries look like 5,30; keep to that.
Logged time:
4,33
